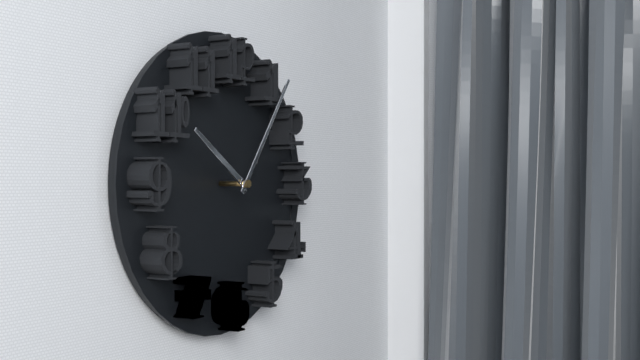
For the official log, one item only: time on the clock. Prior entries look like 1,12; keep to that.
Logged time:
10,06
